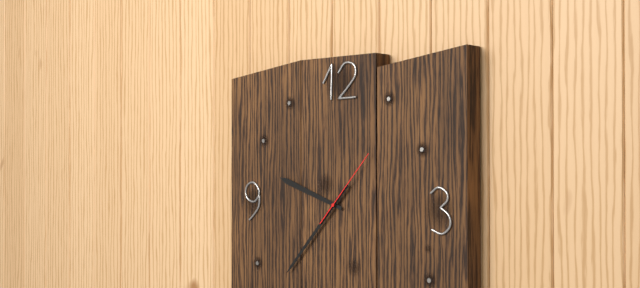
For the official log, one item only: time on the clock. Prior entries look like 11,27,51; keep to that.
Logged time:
9,37,07
